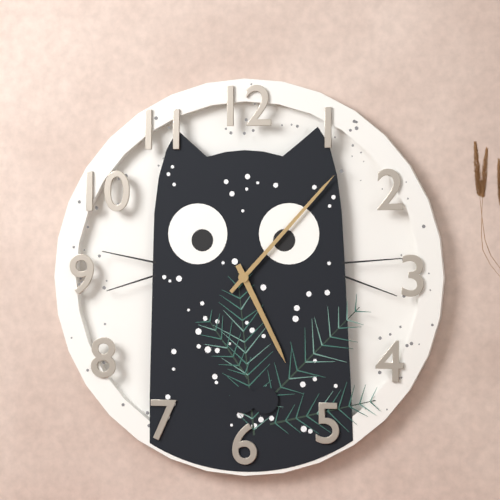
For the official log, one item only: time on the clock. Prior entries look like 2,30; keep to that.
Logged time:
5,07
